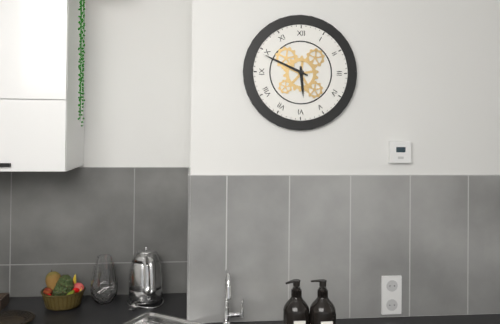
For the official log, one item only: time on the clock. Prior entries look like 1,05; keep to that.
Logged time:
5,49
